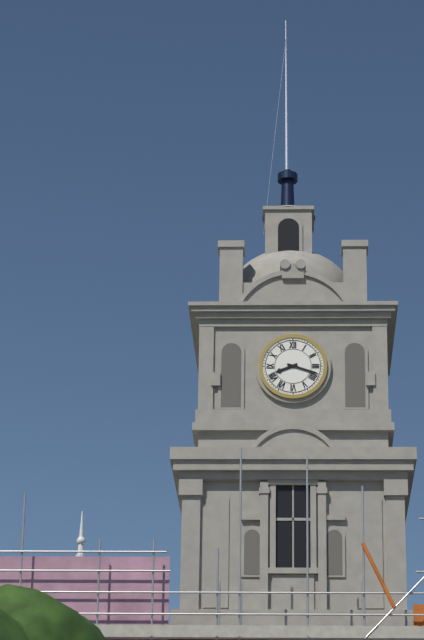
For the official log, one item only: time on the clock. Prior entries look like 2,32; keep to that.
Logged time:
8,18
